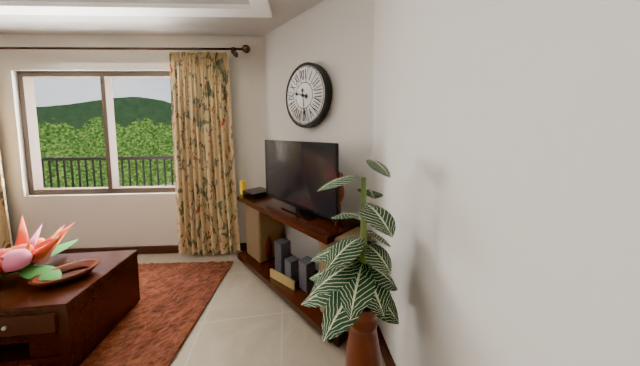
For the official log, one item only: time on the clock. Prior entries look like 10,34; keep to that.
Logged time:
9,29
